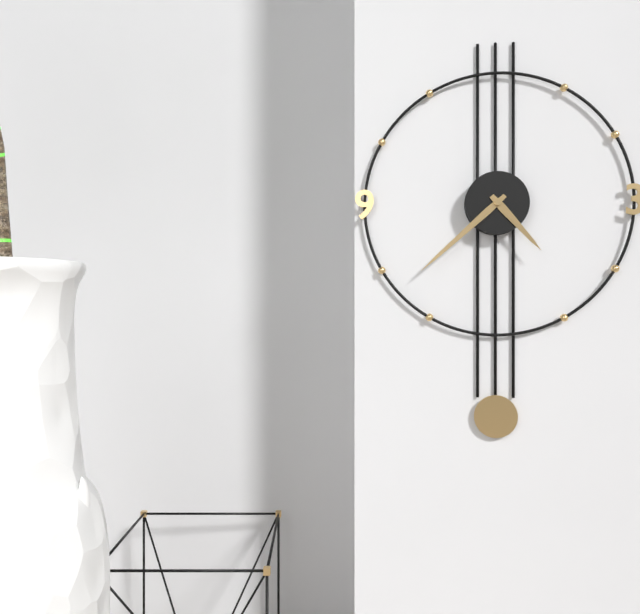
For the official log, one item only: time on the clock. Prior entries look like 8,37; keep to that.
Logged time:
4,38
